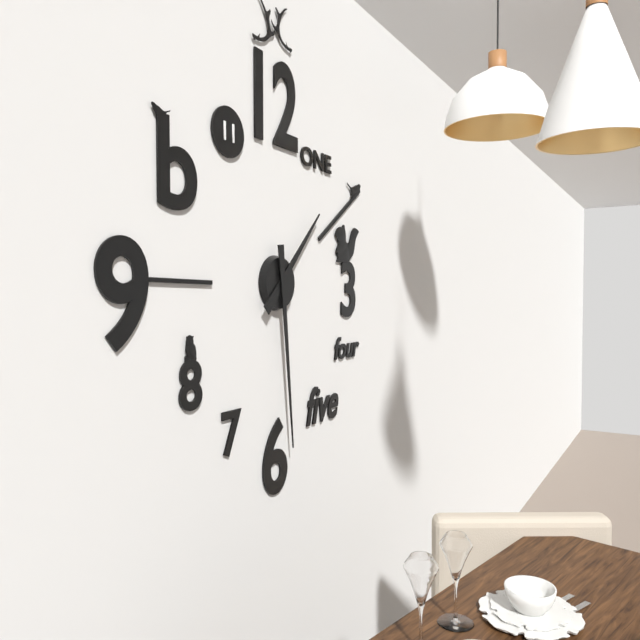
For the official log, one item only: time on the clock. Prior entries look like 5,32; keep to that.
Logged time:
1,29
